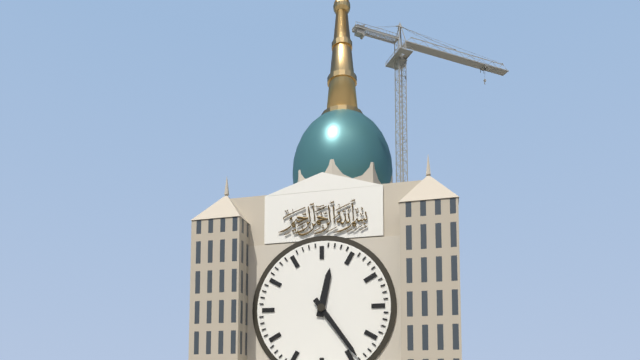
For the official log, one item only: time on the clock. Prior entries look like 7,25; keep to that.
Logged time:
12,24
